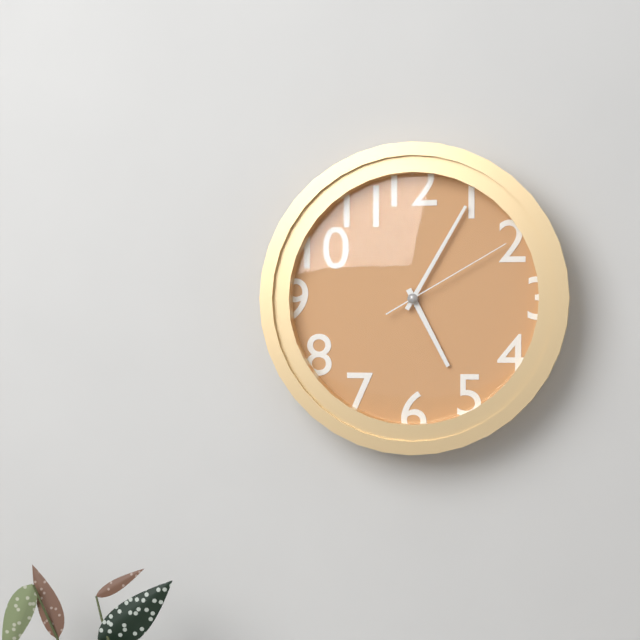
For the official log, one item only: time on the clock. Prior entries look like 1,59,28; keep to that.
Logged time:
5,05,10
